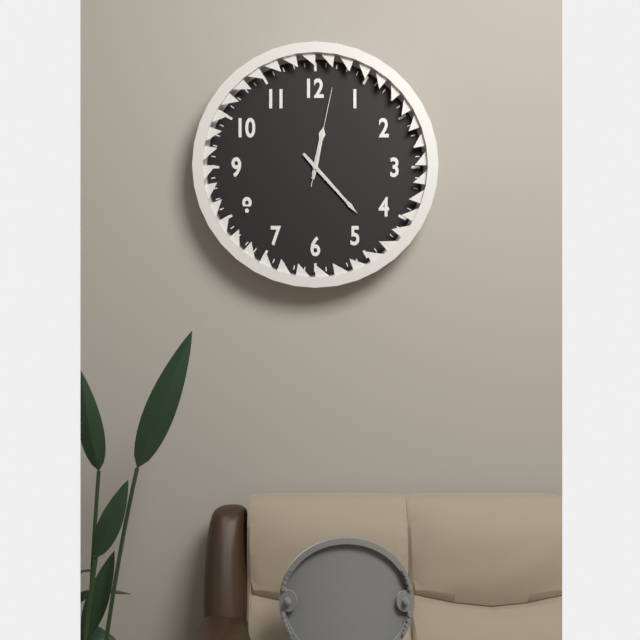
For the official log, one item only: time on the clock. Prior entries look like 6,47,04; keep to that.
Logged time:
12,23,02
